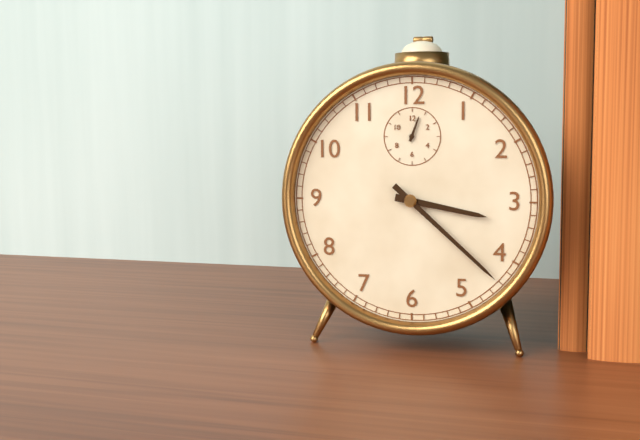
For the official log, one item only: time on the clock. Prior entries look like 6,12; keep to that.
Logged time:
3,22
